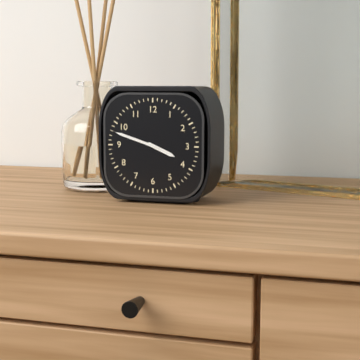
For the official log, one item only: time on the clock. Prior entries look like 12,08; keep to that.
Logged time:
3,48
